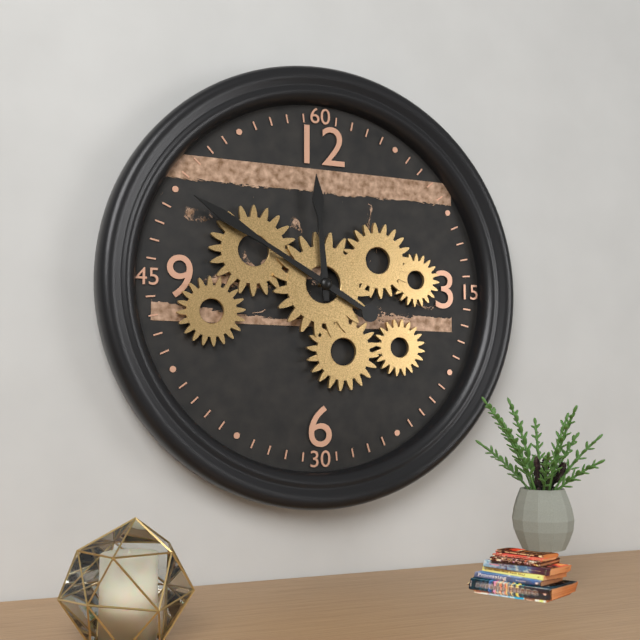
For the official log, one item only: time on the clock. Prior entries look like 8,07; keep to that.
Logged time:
11,50
